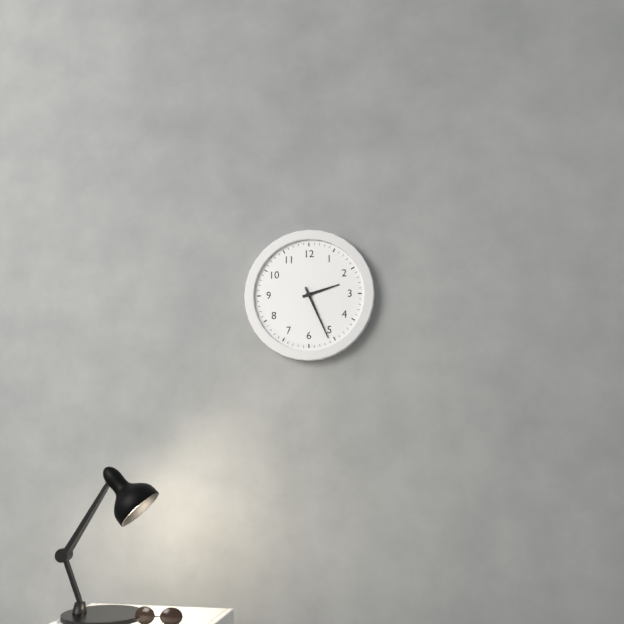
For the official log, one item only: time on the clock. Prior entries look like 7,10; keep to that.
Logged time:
2,26
